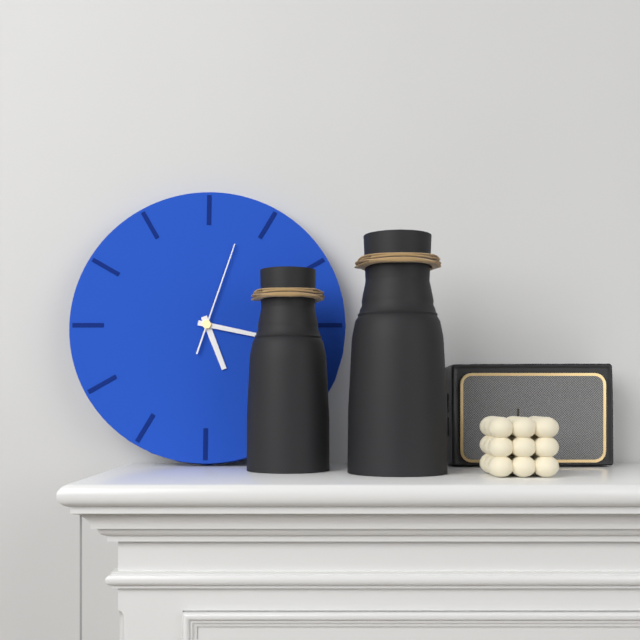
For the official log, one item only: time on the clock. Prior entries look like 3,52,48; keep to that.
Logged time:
5,17,03
